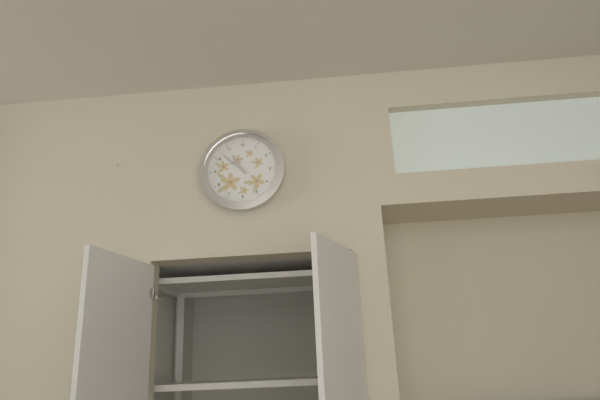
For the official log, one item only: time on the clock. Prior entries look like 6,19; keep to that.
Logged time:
10,52
